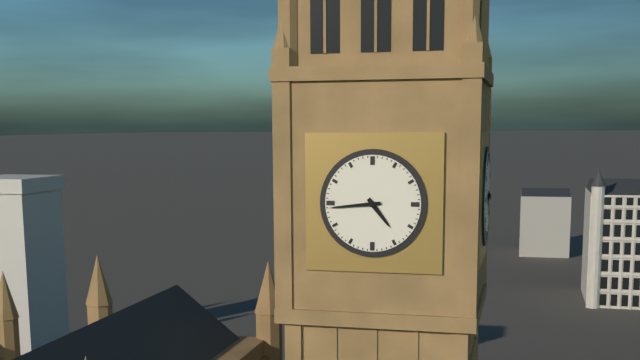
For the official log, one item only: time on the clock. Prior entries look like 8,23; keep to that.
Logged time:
4,44
